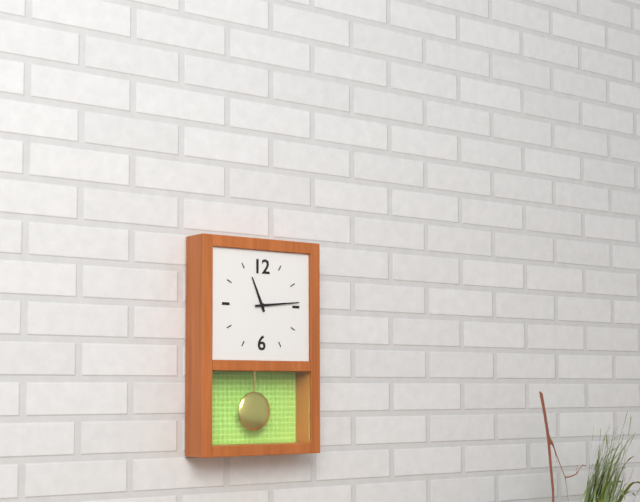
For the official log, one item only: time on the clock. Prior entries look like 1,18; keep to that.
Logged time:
11,14
